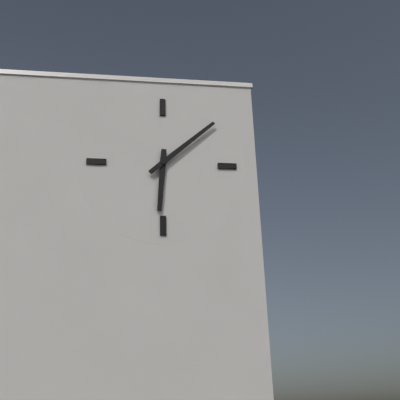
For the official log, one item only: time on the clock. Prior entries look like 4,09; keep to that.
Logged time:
6,08
